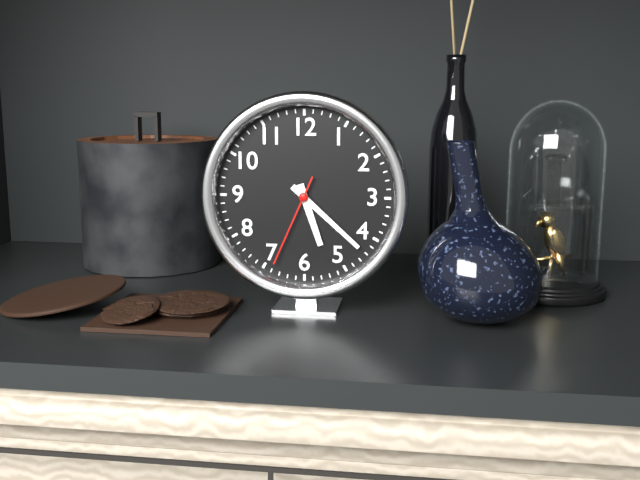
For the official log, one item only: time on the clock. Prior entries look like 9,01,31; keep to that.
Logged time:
5,22,34
